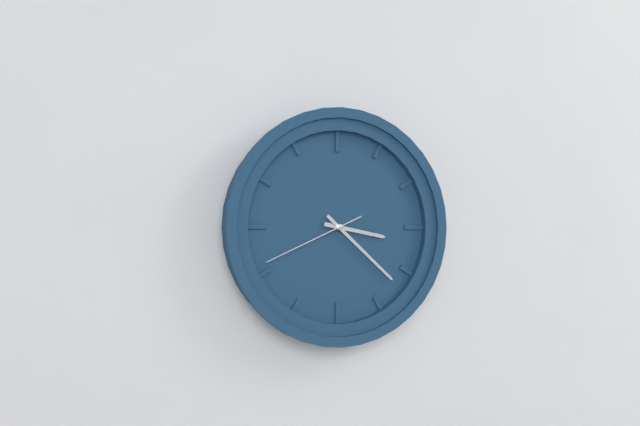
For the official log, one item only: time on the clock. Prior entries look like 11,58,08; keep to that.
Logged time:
3,22,41
